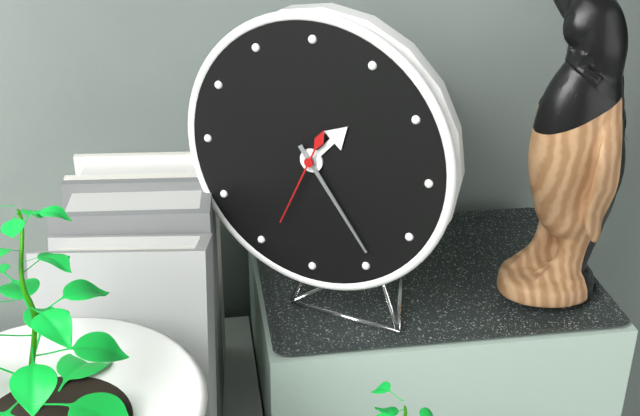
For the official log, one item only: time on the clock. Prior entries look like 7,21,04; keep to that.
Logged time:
1,24,34
